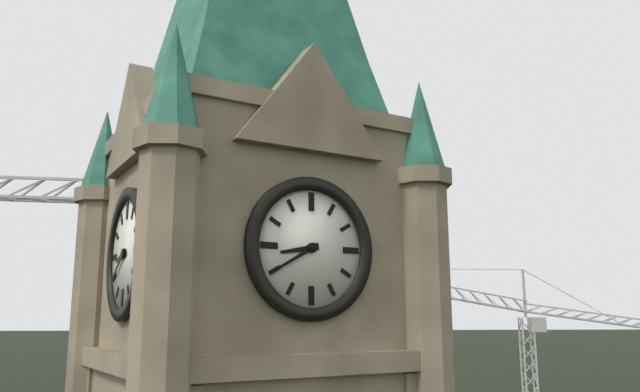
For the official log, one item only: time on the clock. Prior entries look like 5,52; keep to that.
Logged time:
8,40
